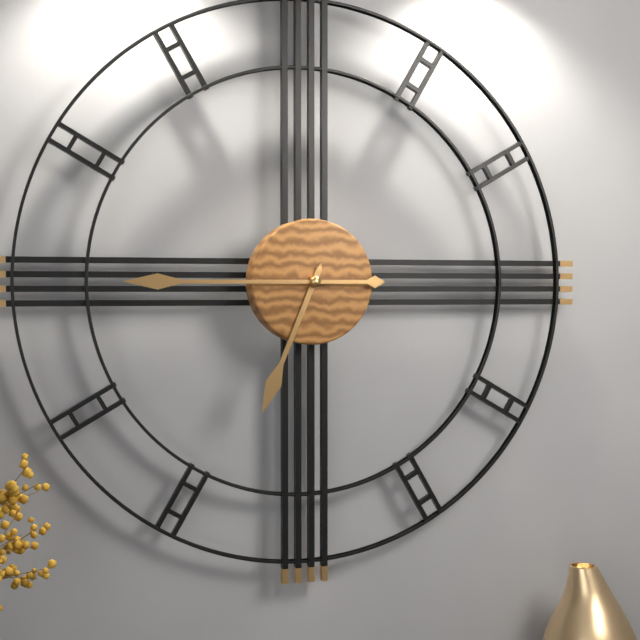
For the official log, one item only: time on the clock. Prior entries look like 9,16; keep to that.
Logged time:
6,45
